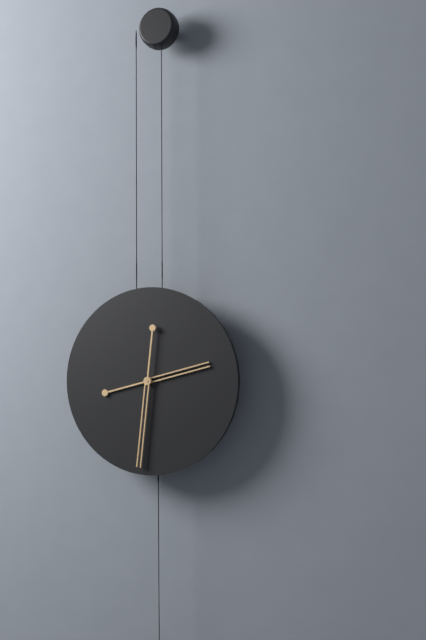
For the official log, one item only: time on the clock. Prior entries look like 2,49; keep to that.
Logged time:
2,31
